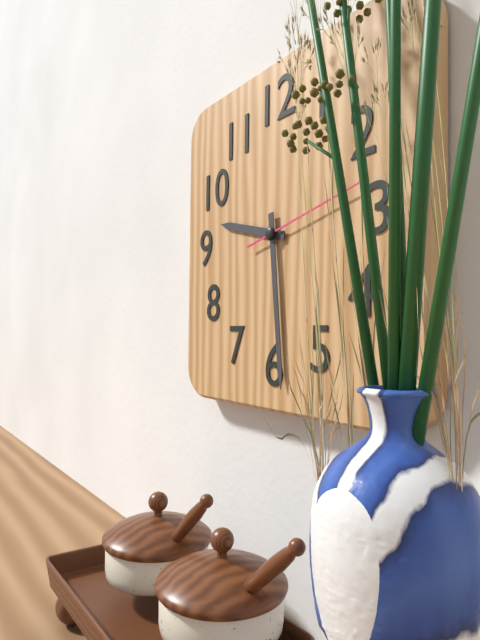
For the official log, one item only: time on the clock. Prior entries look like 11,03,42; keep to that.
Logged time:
9,29,13
